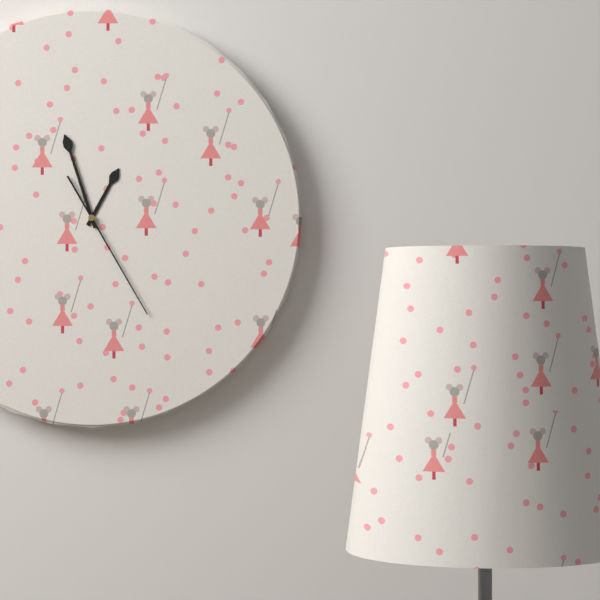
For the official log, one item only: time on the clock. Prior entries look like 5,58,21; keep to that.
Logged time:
12,57,25
